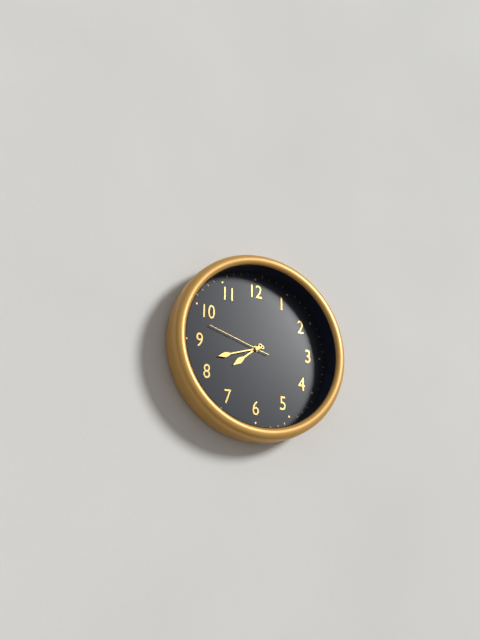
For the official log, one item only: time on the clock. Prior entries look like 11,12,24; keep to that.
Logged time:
7,42,48
